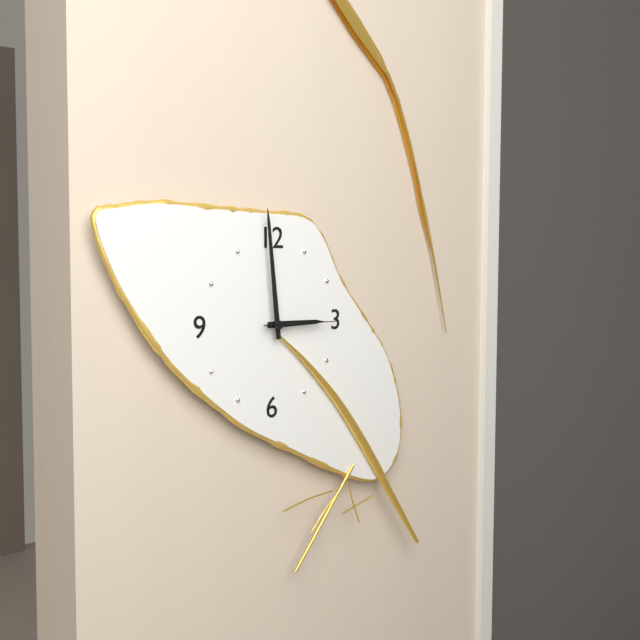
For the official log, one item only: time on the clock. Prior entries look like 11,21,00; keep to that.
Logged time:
2,59,15
